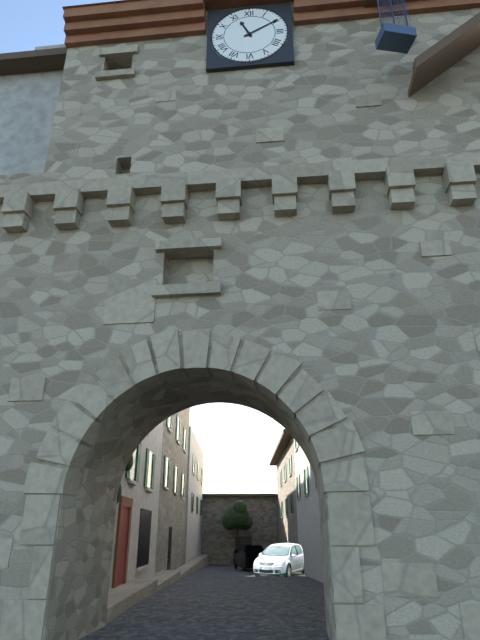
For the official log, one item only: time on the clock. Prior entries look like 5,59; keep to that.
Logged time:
11,10
